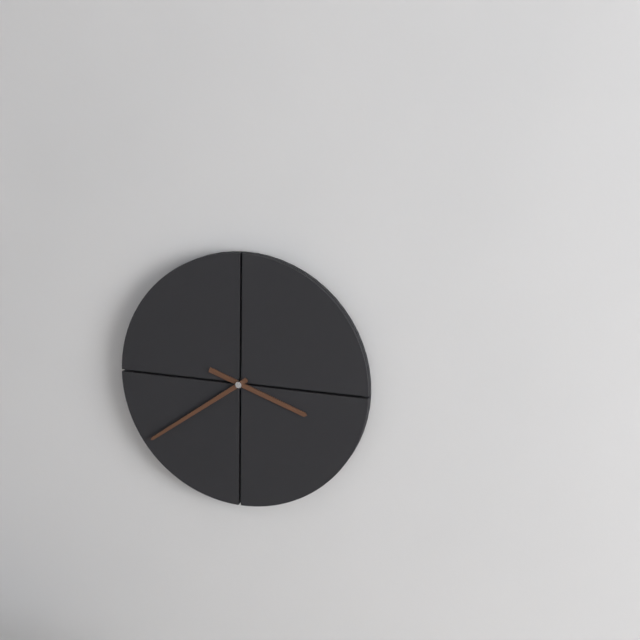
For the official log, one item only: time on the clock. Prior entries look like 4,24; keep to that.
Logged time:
3,39
